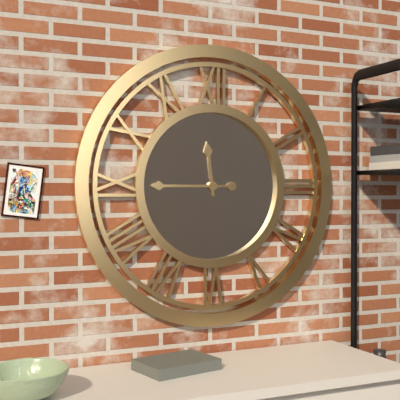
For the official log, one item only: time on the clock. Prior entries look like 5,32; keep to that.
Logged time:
11,45
